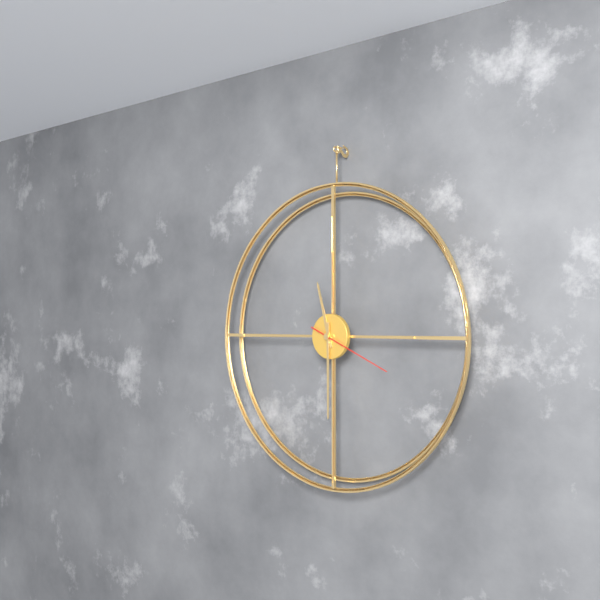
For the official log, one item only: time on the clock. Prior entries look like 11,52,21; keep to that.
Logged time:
11,30,19
